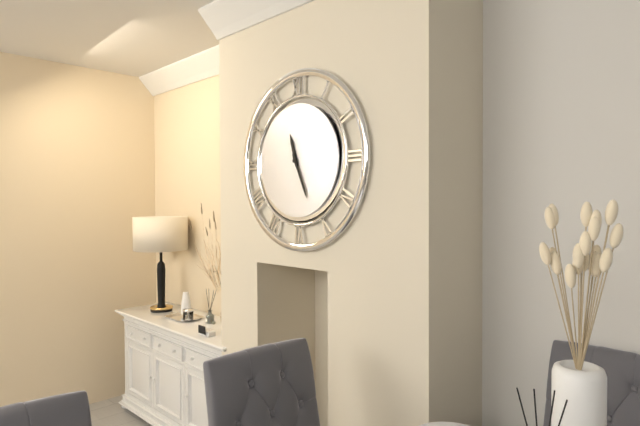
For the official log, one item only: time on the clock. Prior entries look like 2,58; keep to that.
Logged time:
11,26
